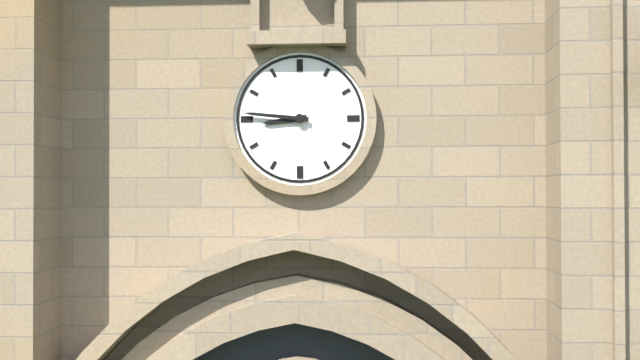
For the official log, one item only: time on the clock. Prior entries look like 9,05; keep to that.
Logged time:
8,46
